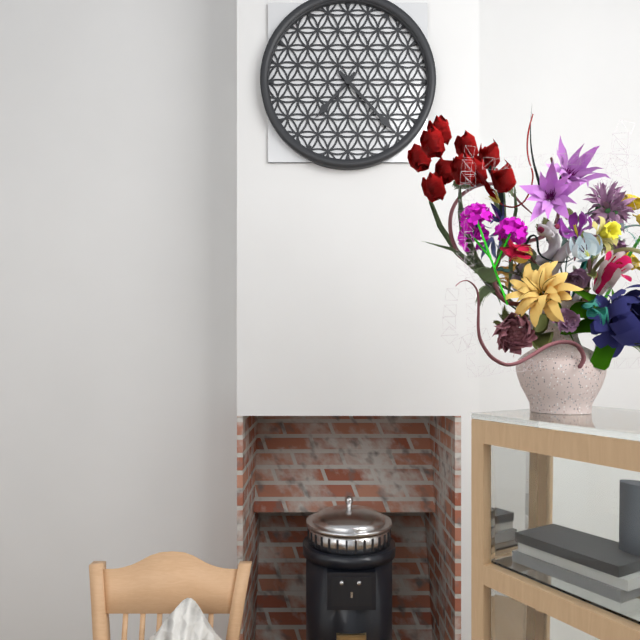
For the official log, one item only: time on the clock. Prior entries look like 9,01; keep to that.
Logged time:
7,23
